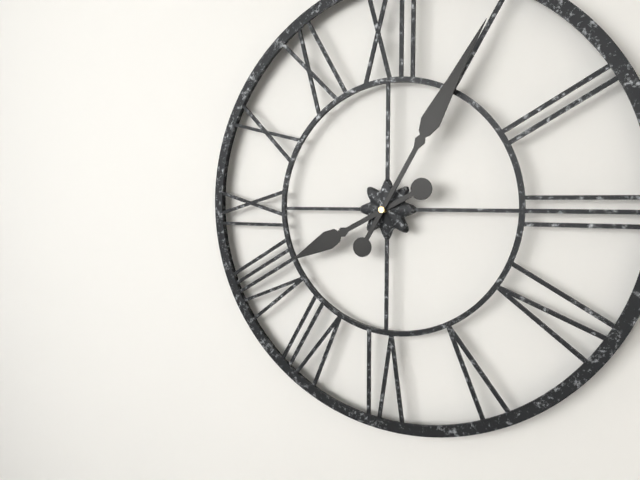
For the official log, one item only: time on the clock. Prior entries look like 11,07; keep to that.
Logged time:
8,05
